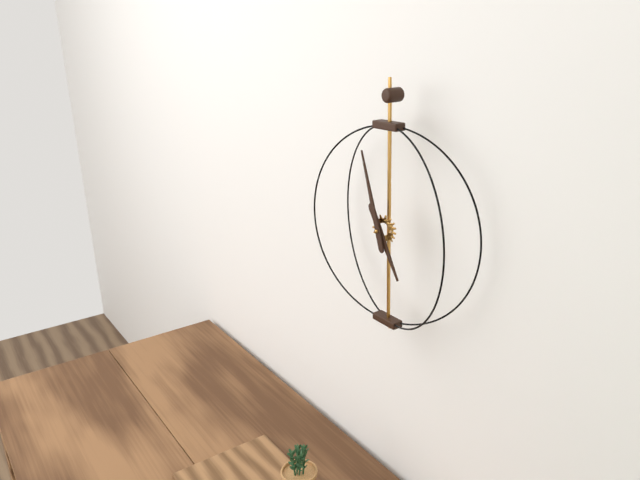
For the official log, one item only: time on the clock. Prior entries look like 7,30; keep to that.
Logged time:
4,57
